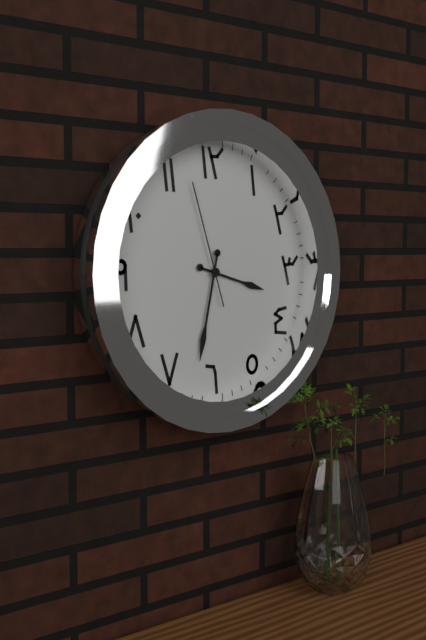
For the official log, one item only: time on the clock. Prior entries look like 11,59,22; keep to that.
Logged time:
3,32,57
